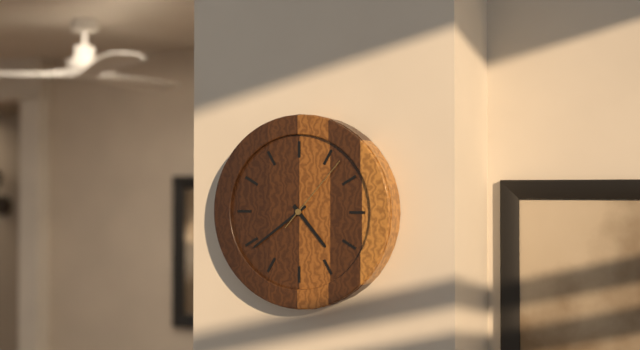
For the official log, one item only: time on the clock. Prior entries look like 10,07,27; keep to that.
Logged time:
4,39,07
